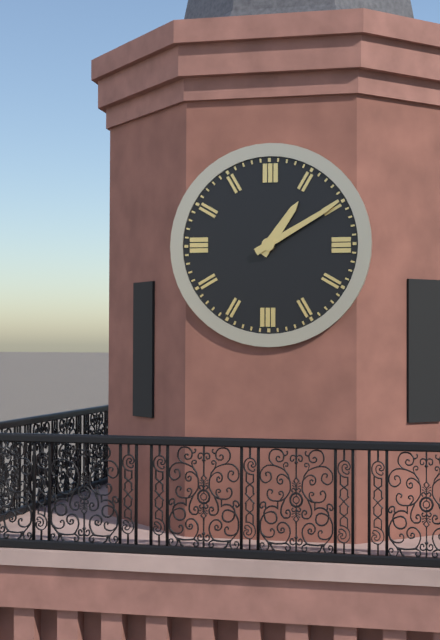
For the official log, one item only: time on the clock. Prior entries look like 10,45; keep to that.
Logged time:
1,10
